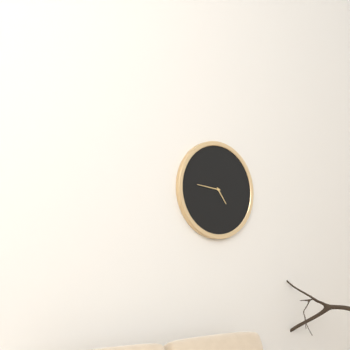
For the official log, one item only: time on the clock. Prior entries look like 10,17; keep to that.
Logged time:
4,46
